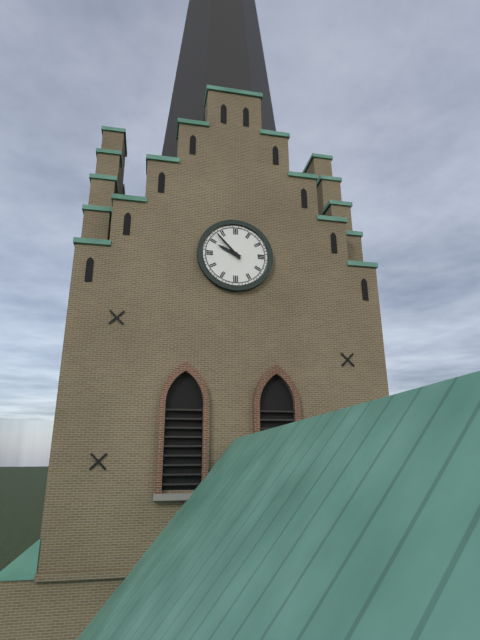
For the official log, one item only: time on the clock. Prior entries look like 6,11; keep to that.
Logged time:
9,53
